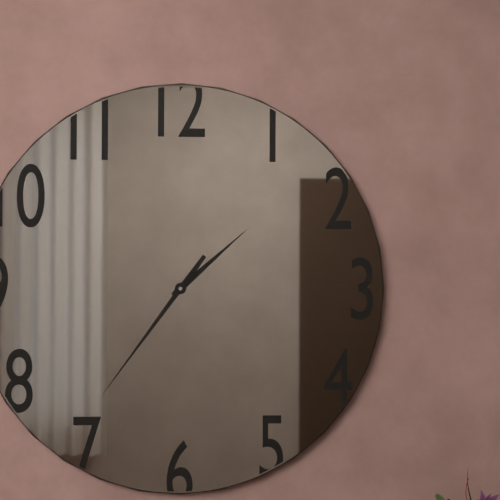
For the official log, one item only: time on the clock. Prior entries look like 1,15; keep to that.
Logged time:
1,36
